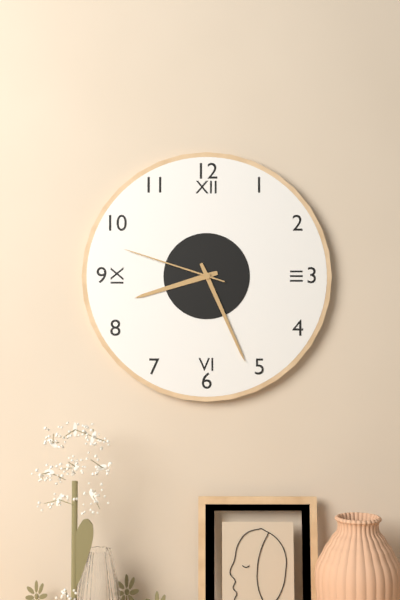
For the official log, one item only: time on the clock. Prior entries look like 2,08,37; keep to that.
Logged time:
8,26,48
